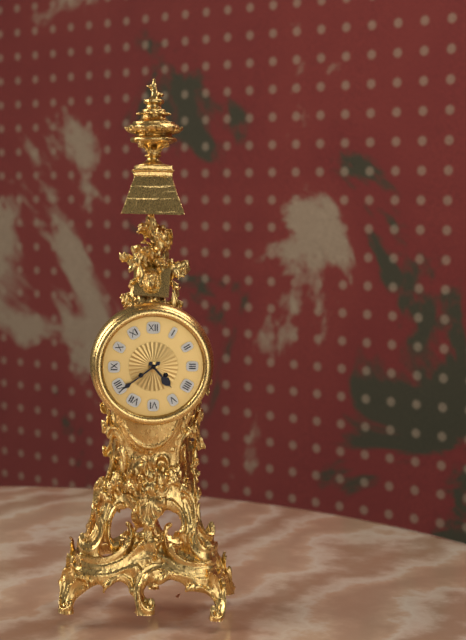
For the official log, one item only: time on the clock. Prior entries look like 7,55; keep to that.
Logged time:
4,39
